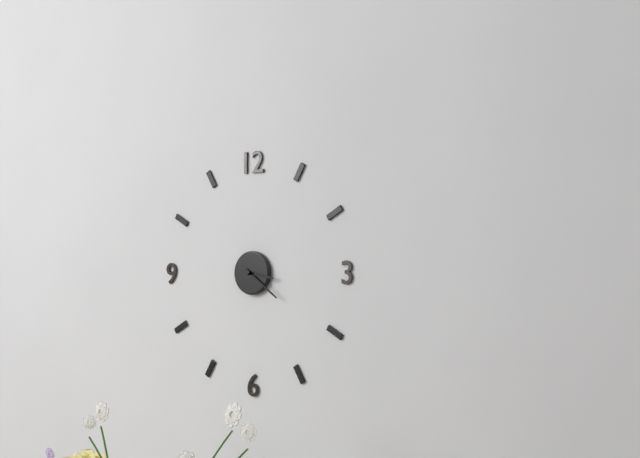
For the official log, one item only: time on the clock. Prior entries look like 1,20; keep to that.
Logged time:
3,21
